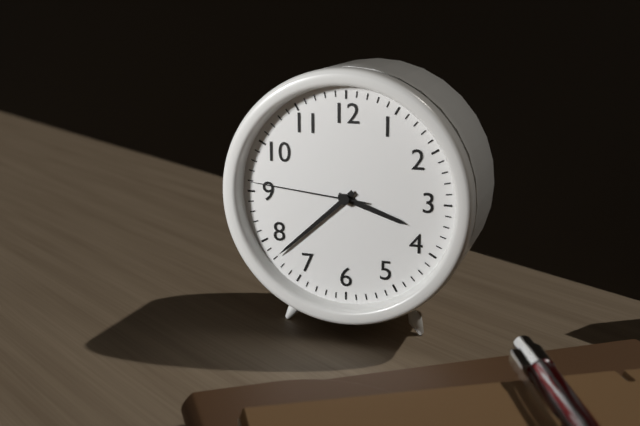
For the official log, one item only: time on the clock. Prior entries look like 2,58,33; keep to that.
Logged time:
3,38,46
